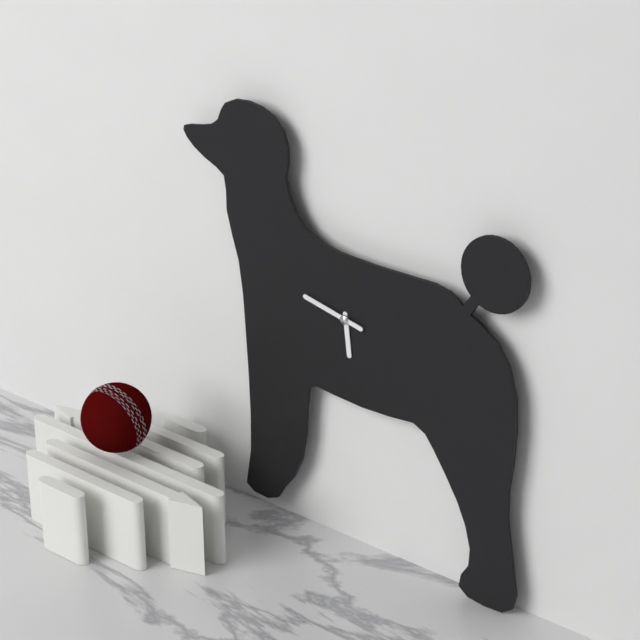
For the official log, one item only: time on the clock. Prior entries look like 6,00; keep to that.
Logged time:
5,47
